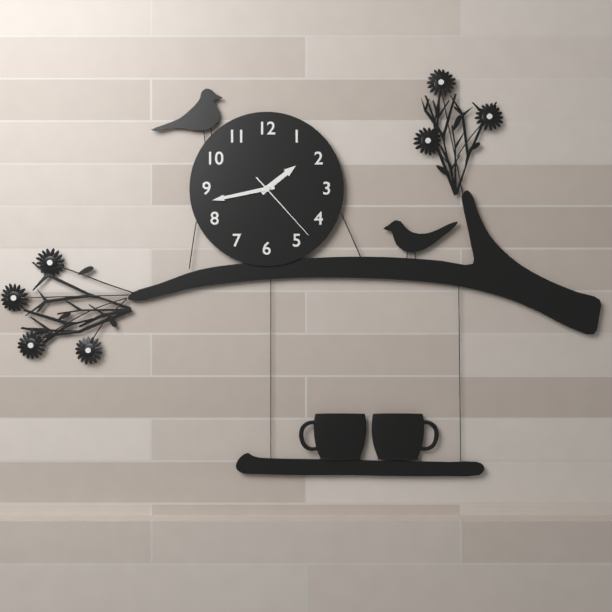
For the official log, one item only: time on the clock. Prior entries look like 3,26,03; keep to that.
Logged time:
1,43,23
